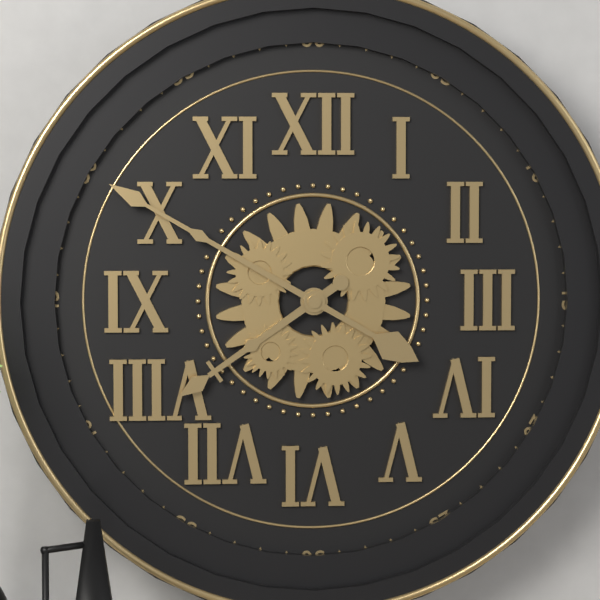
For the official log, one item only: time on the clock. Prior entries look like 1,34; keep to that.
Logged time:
7,50
